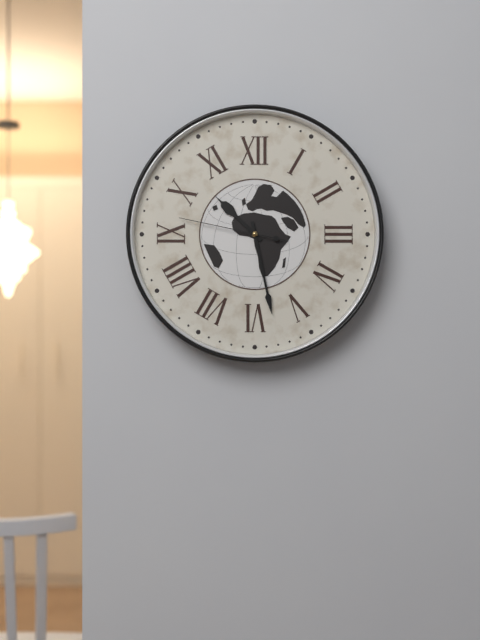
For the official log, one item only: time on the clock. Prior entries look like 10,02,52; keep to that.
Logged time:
10,28,47
